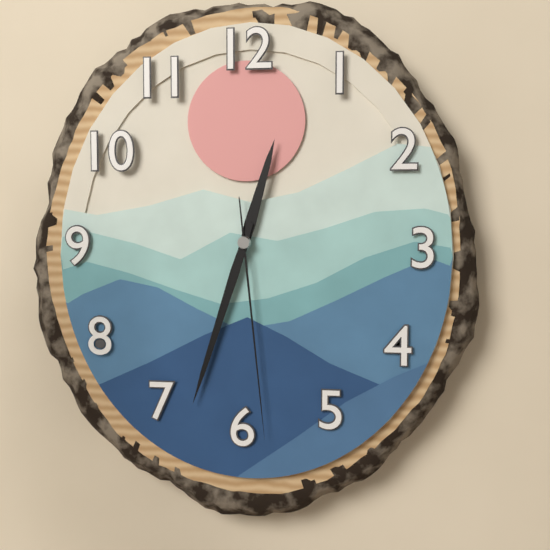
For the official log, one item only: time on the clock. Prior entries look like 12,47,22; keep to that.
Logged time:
12,33,29
